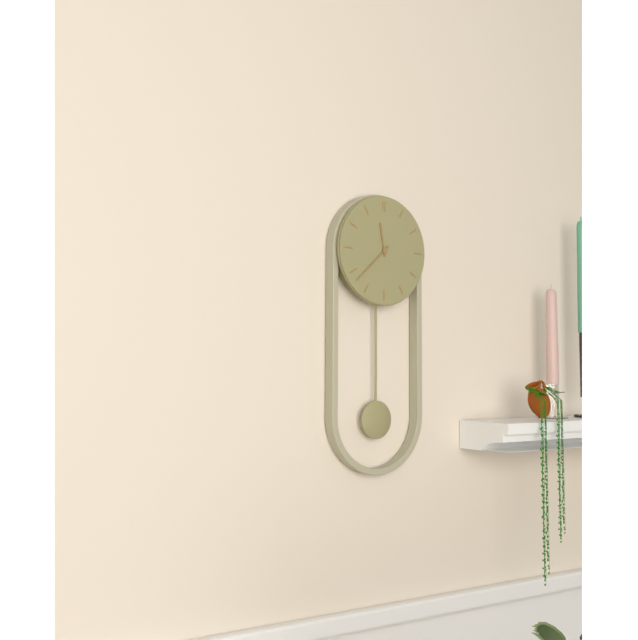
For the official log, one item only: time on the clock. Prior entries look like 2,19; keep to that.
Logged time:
11,38
